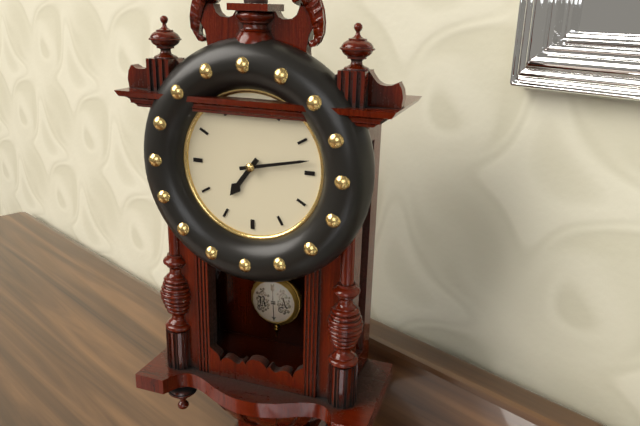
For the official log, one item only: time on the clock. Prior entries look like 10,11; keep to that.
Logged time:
7,13
